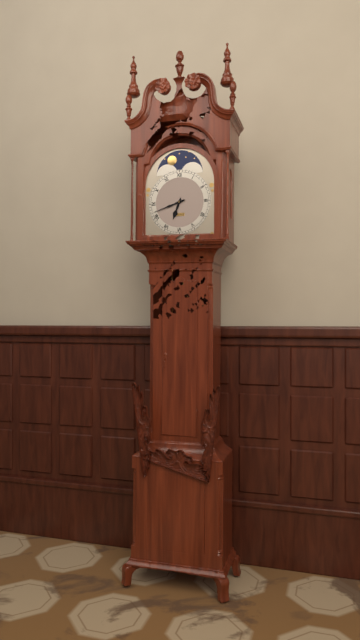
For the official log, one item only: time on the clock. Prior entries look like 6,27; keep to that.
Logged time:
6,42
